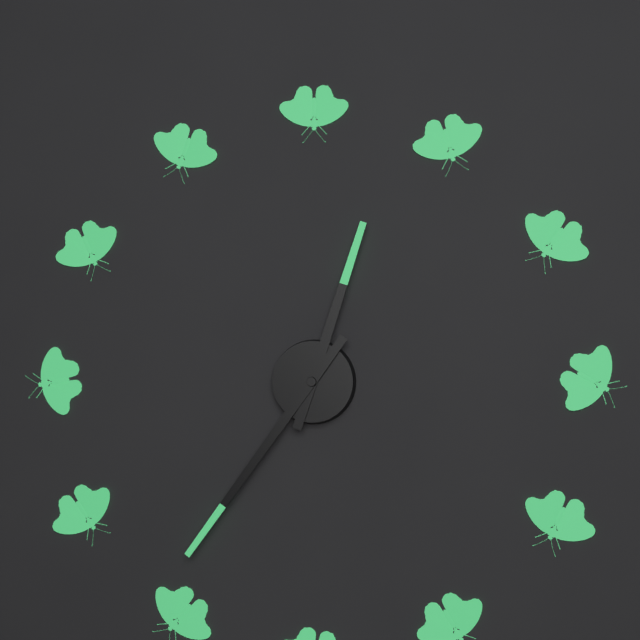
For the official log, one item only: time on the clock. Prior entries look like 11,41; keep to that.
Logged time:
12,36
